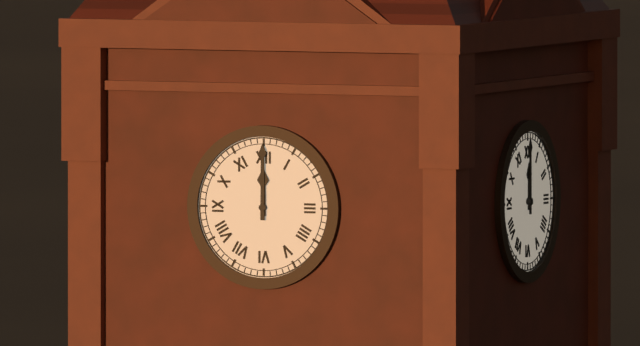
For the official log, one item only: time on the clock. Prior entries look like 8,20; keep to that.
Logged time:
12,00
